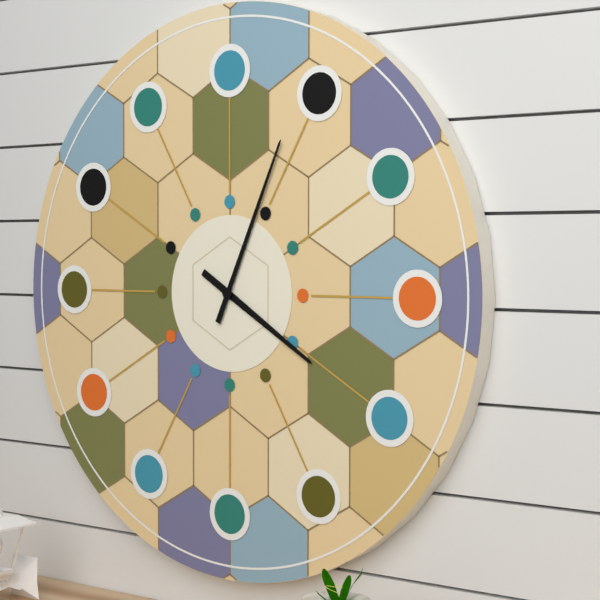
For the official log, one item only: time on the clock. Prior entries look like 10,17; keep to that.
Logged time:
4,04
